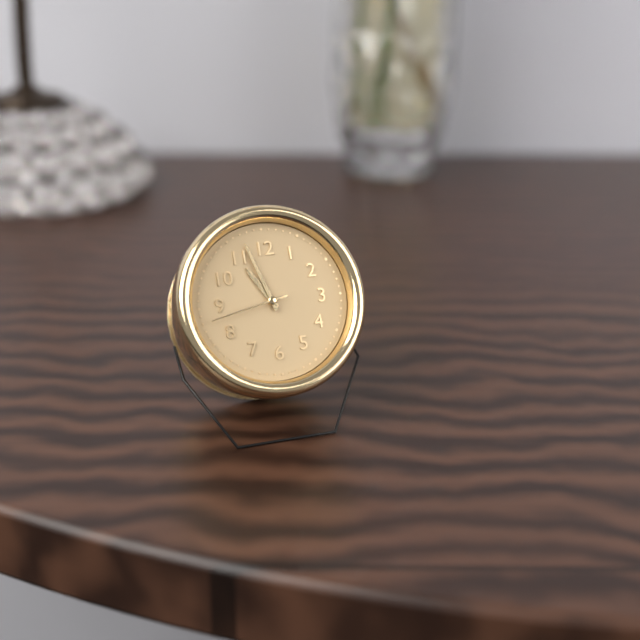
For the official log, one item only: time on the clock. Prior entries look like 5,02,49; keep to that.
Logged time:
10,57,43
